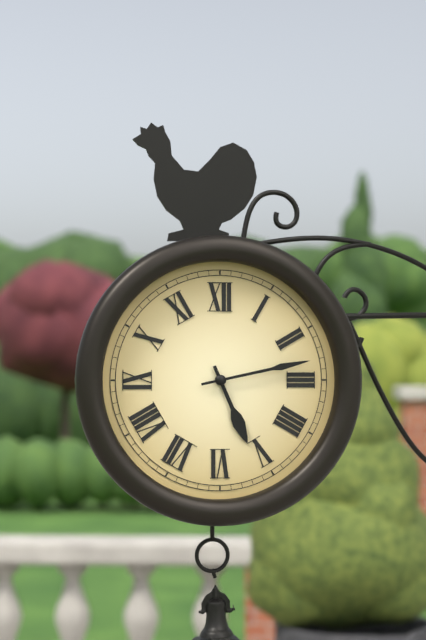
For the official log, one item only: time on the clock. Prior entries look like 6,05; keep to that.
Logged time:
5,13
